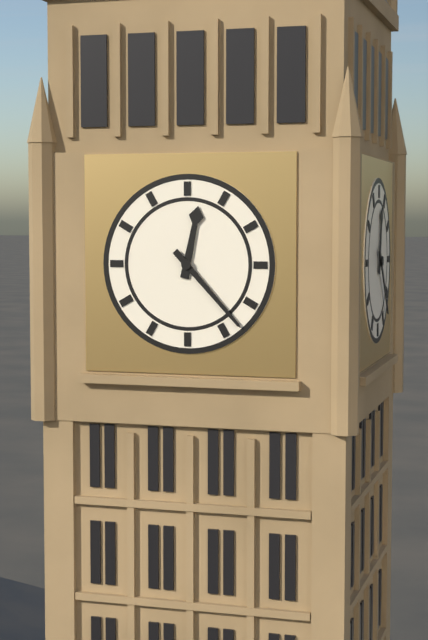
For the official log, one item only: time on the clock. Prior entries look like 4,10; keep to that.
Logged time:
12,23
